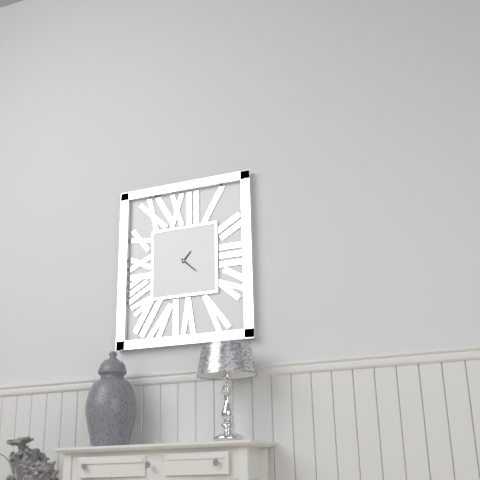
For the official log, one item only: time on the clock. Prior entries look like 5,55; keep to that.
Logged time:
1,22
